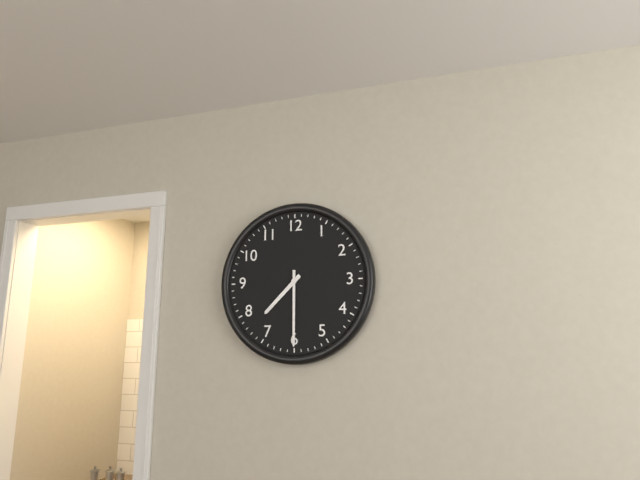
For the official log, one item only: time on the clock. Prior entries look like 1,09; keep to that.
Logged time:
7,30
